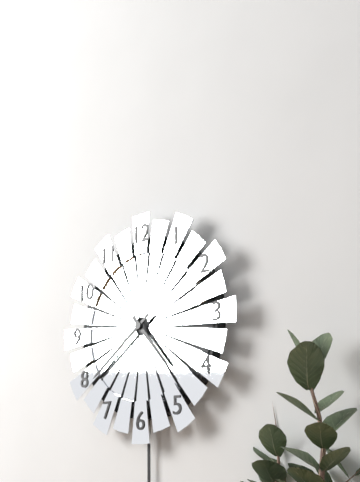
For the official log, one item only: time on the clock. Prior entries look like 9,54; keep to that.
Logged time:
4,39
